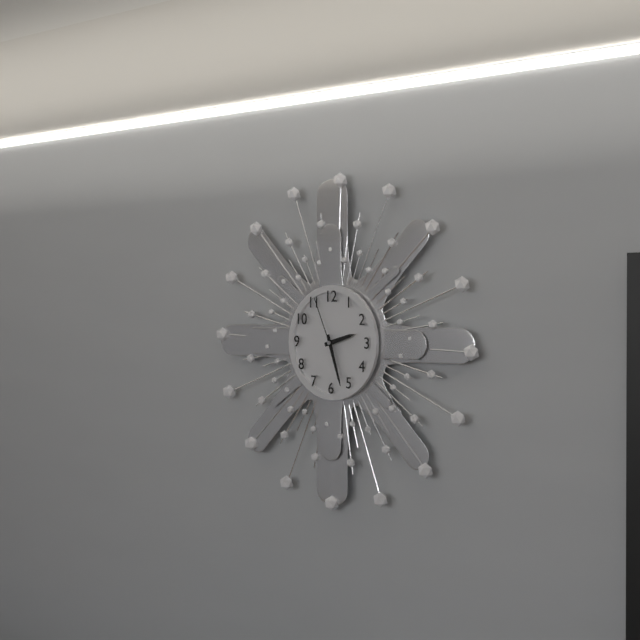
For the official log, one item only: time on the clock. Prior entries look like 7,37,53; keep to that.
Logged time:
2,27,56
